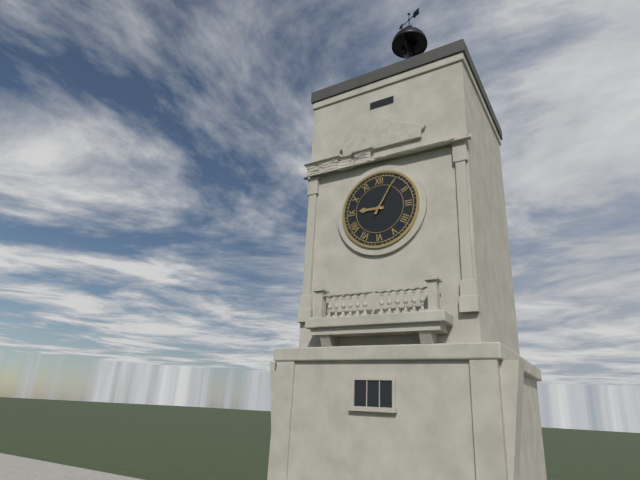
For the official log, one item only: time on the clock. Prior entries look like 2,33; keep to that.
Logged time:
9,05
